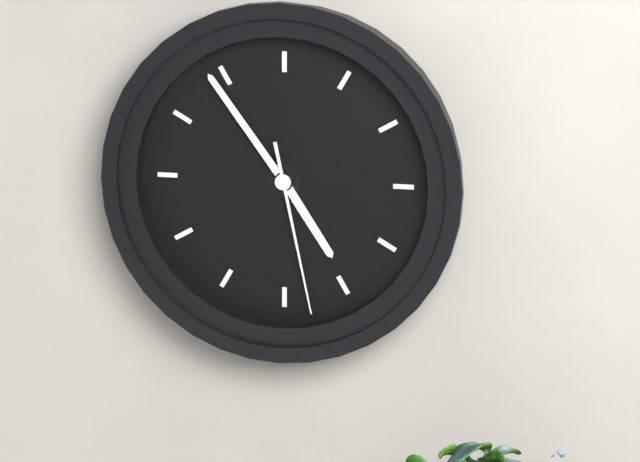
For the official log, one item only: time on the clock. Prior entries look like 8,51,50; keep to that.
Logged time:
4,54,28
